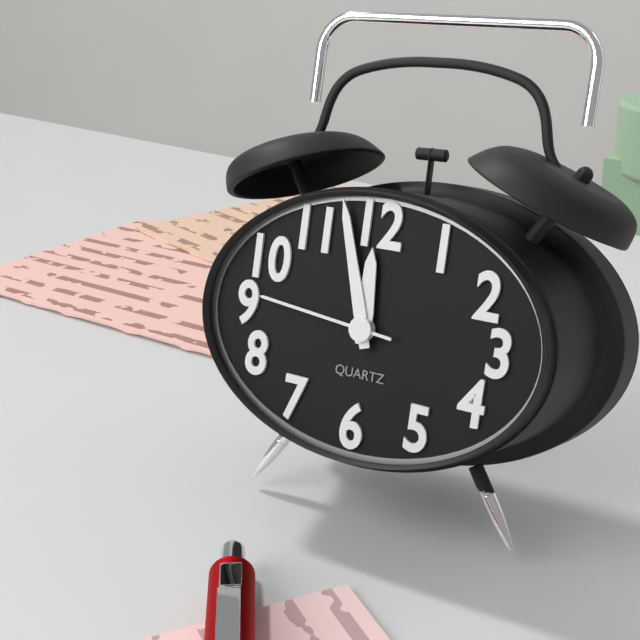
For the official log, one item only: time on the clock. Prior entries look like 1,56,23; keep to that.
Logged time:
11,57,46
